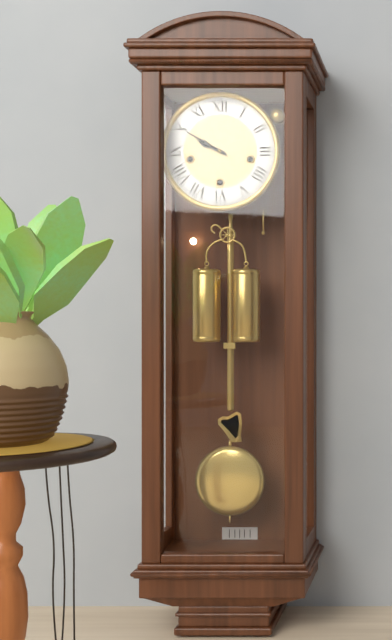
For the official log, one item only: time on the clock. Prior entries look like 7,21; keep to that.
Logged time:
9,50
